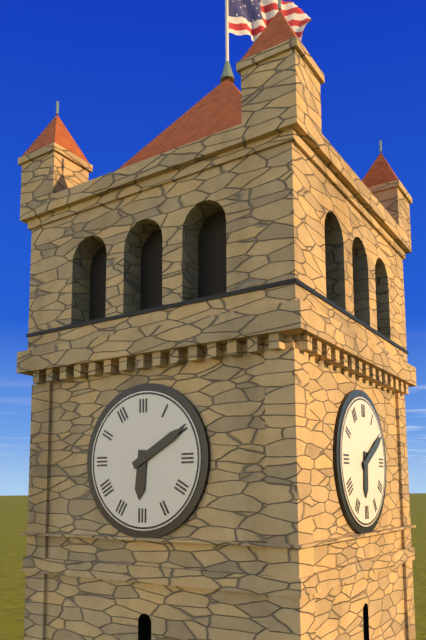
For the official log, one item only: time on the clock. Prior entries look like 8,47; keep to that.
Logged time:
6,10
